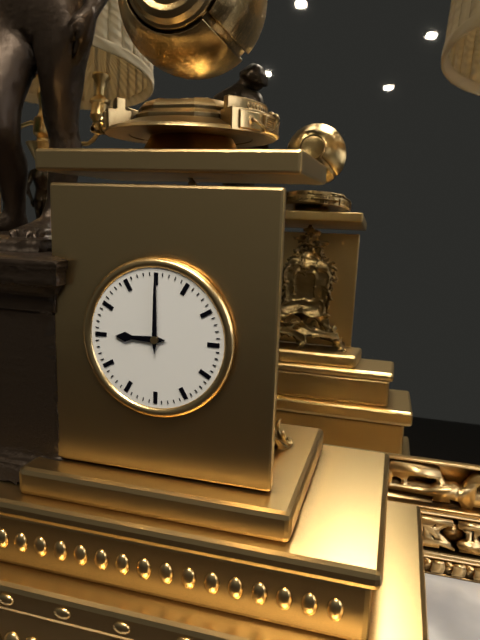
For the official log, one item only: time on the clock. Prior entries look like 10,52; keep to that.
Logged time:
9,00
